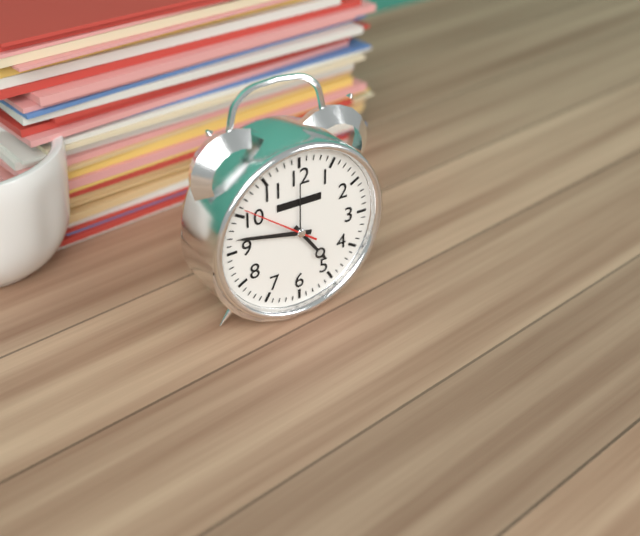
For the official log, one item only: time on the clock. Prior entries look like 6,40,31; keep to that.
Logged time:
4,47,51
